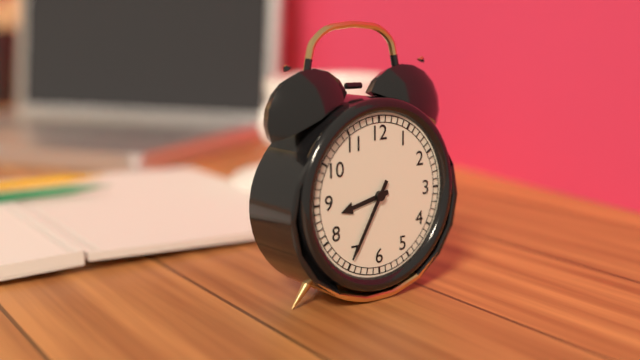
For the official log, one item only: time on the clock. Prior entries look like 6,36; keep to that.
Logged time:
8,35
